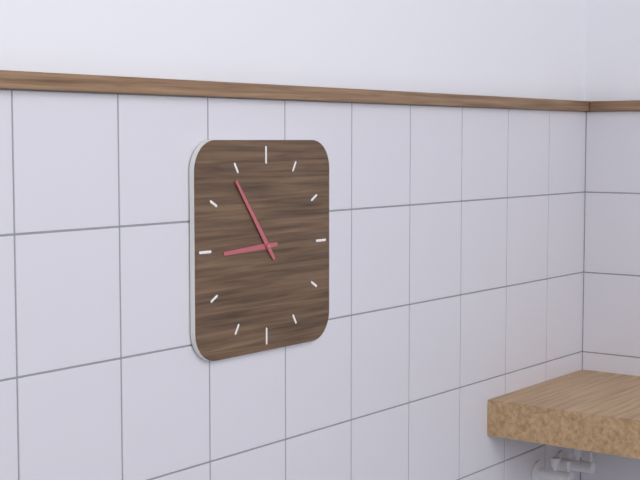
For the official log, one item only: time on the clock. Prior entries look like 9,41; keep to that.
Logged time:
8,54
